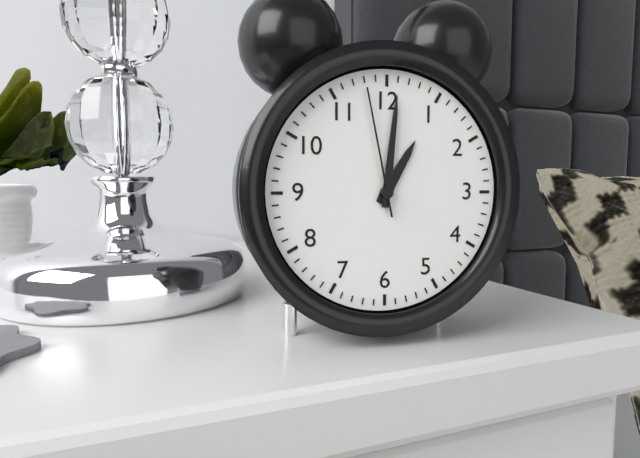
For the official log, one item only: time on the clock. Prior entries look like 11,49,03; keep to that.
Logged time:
1,01,58
